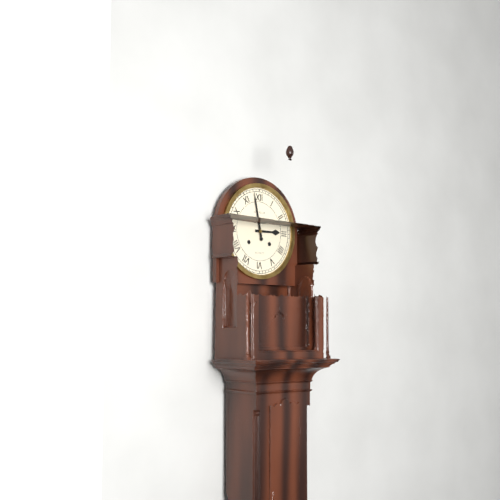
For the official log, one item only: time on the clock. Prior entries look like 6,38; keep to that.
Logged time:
2,58
